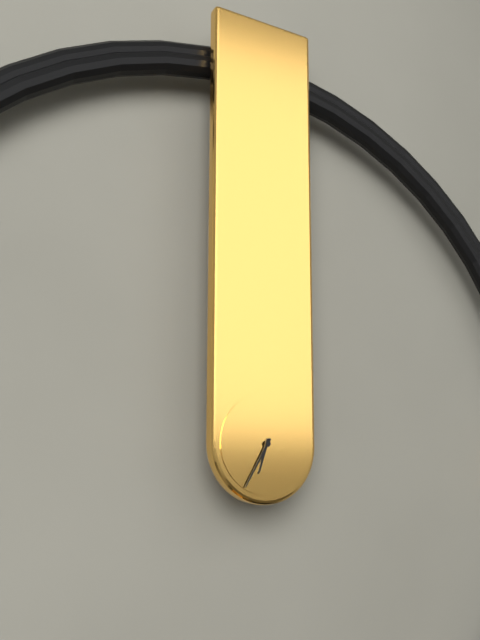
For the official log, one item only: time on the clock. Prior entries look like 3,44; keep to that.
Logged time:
6,35
